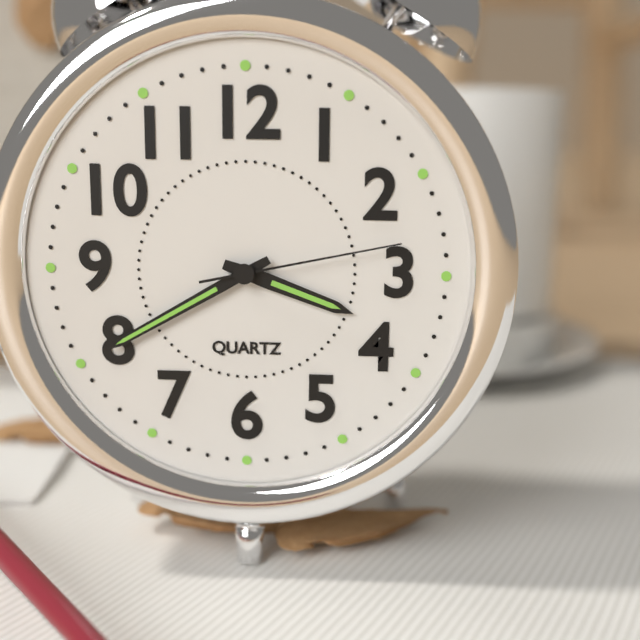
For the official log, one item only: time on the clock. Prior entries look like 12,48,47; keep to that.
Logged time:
3,40,13
